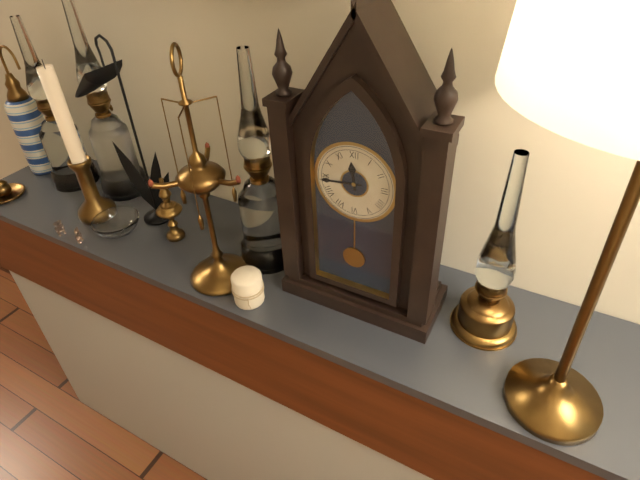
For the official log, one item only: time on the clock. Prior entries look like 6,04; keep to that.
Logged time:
11,44
